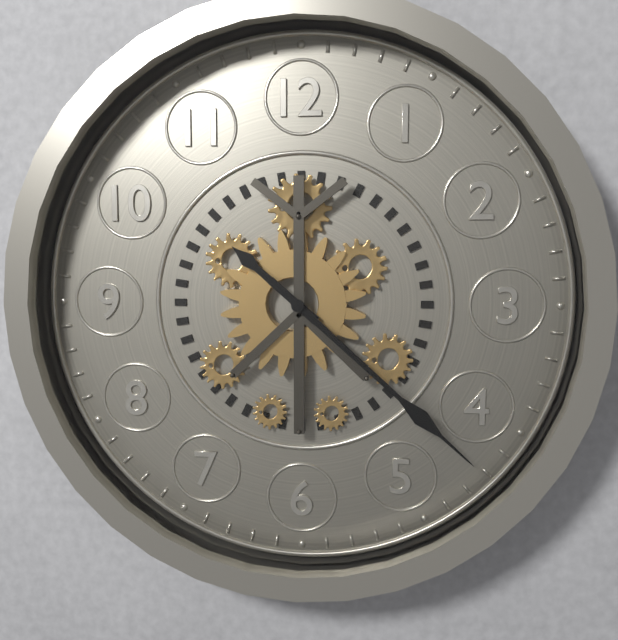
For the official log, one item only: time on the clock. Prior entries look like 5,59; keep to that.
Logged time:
10,22
